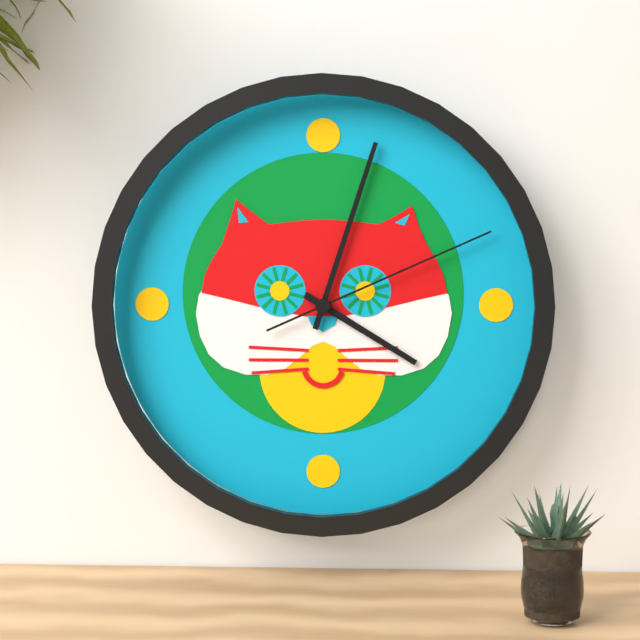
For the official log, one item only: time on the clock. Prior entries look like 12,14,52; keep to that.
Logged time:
4,03,11
